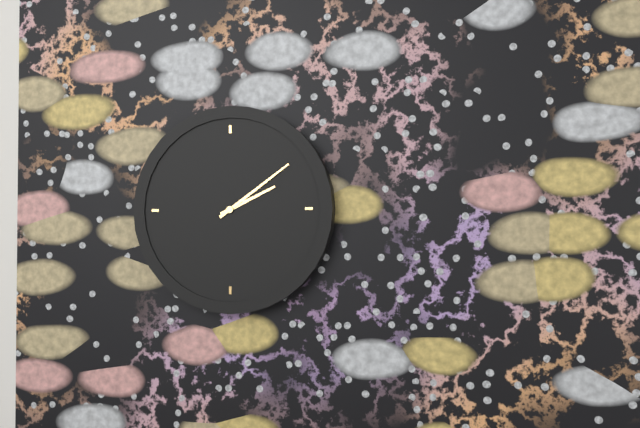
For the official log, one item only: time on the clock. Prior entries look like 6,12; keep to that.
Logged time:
2,09
